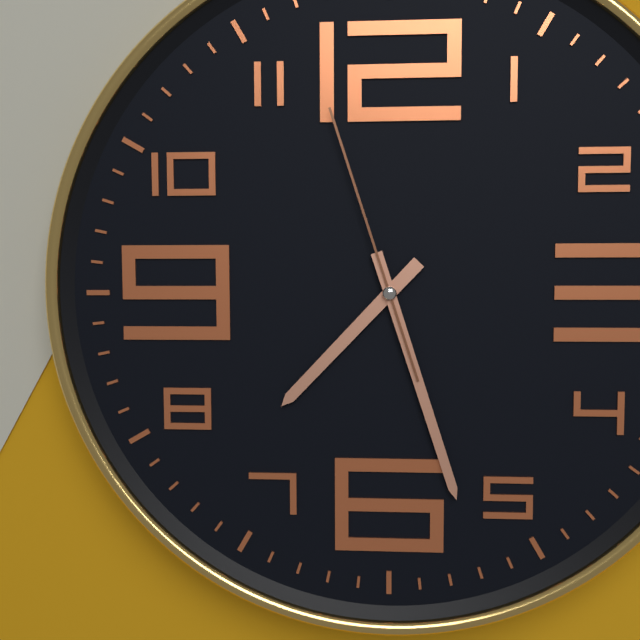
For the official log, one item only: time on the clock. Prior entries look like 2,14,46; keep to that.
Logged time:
7,27,57
